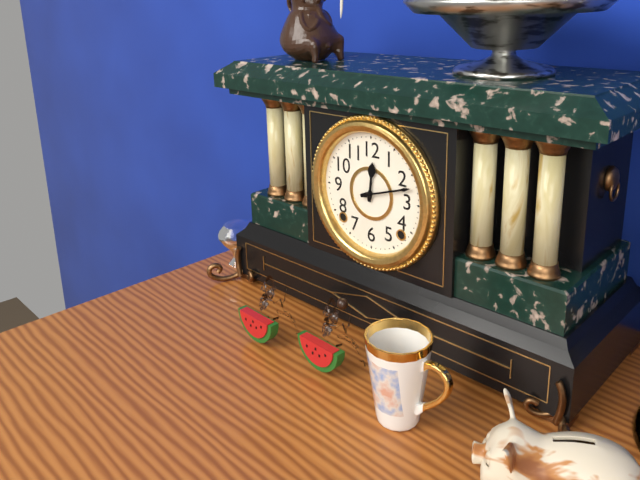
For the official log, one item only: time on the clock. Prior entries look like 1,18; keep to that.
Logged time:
12,12
